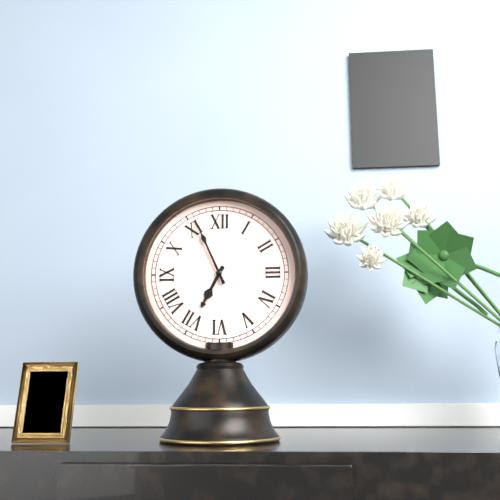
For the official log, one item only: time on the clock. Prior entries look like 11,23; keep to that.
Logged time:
6,56
